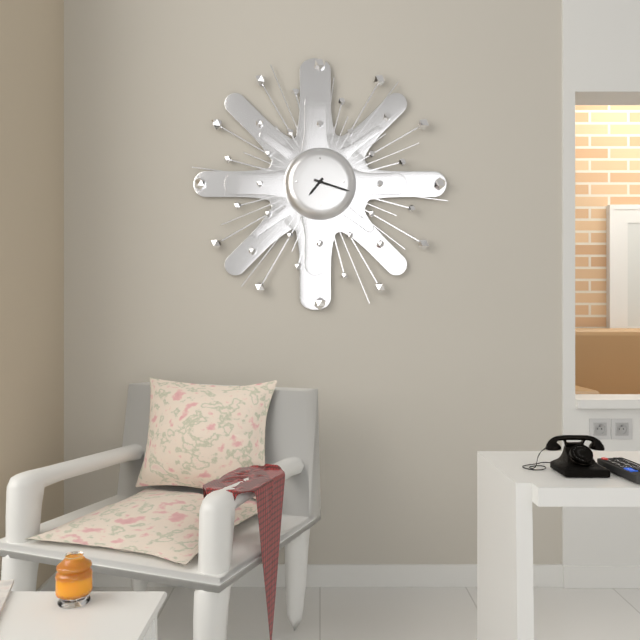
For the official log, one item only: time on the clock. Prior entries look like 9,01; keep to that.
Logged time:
7,18
